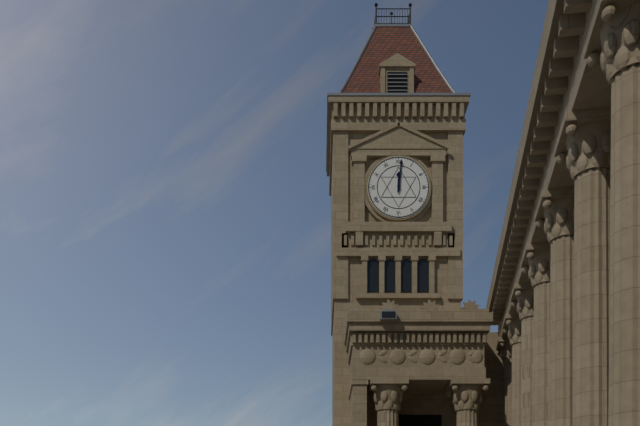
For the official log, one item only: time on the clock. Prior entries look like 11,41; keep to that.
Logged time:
12,01
